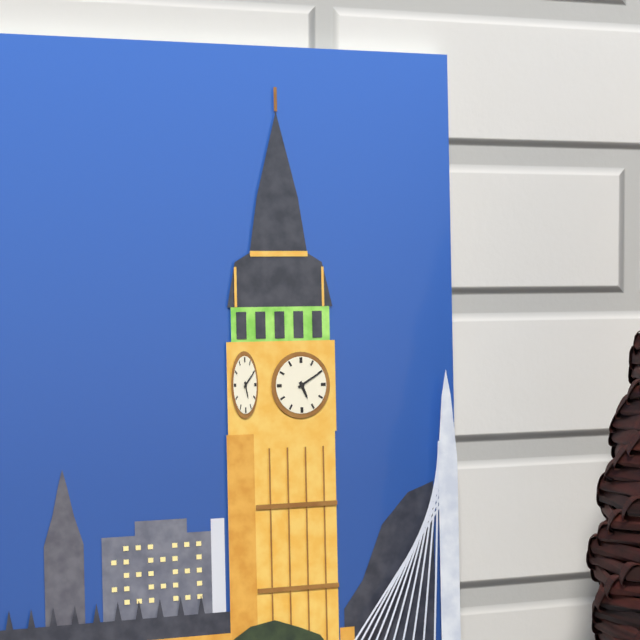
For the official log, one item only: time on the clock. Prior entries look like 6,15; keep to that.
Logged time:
5,10
